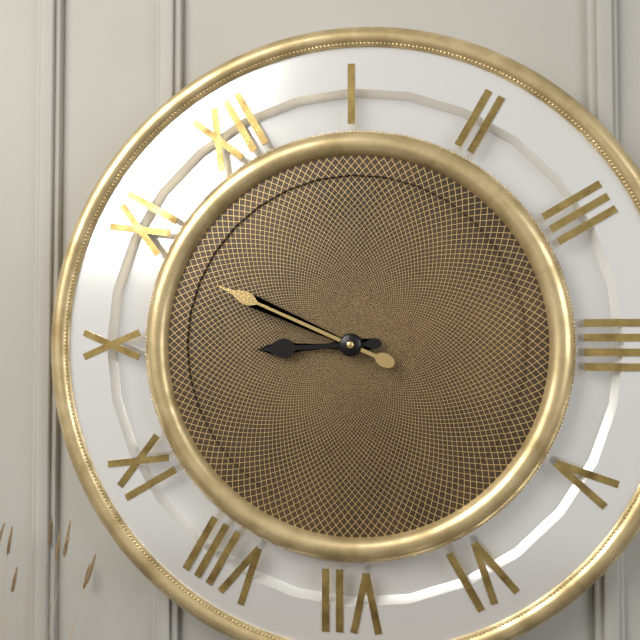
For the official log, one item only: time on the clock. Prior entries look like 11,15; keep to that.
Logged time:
9,54
